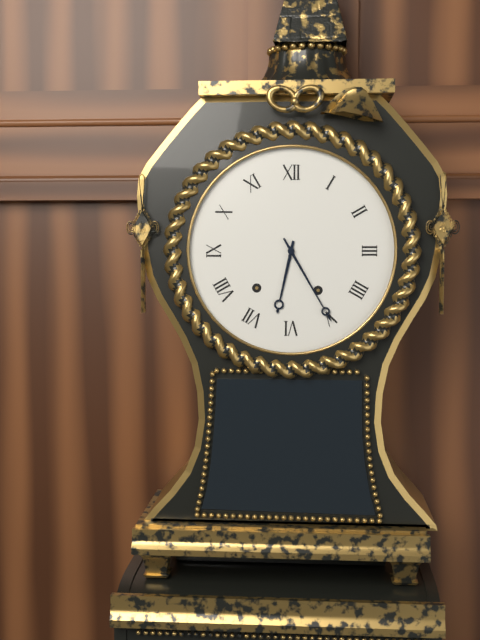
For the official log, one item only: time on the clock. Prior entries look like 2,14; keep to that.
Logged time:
6,25
